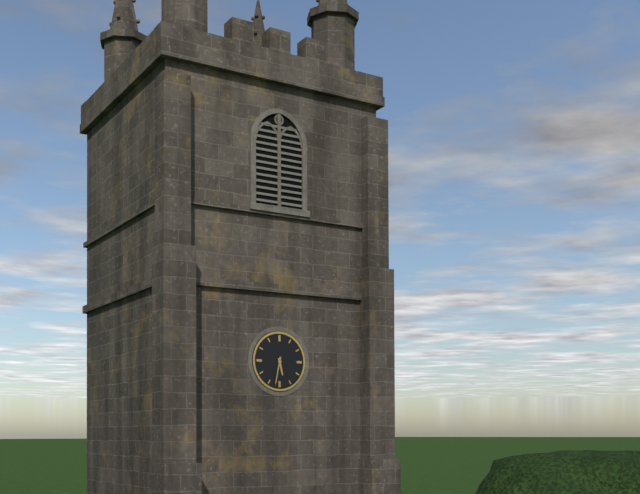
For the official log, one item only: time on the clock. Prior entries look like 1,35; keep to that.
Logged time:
5,32
